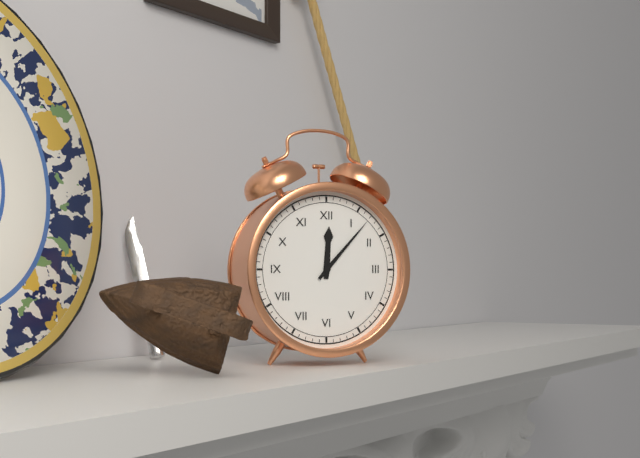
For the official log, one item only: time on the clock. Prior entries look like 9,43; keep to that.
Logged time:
12,07
